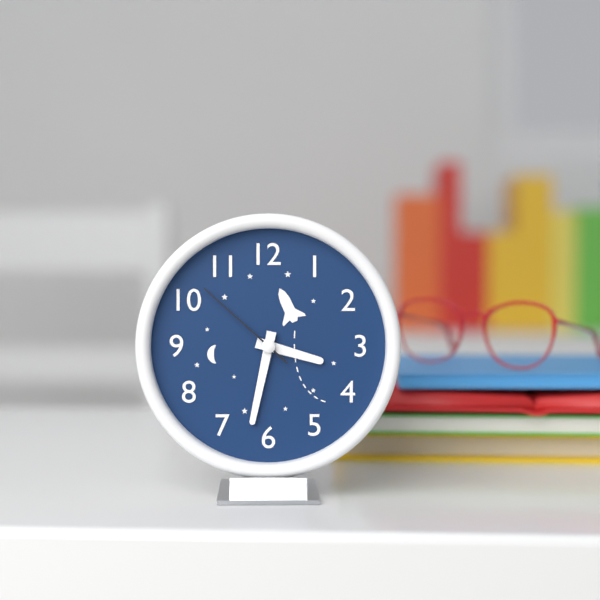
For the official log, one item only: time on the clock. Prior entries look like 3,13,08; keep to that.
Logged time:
3,32,52
